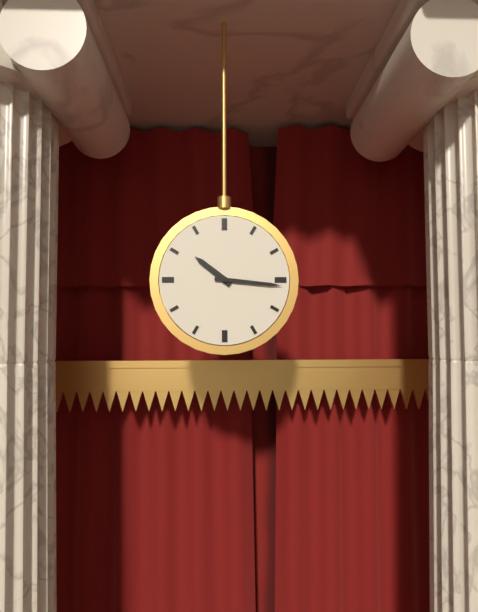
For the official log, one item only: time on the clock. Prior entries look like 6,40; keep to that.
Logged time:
10,16
